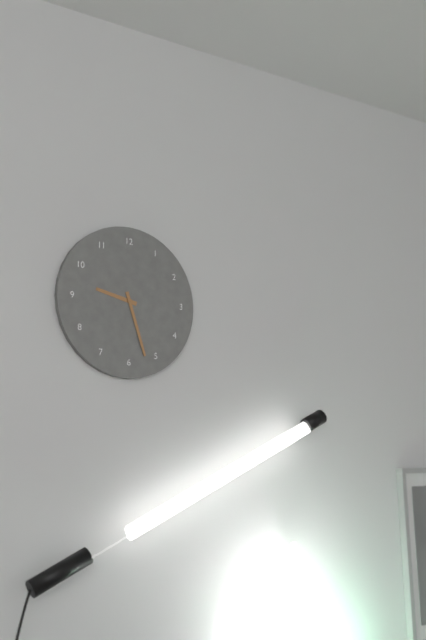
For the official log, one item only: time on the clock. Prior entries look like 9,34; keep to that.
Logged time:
9,27
